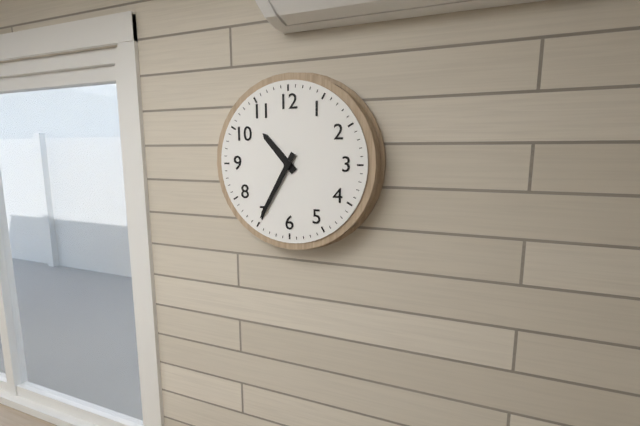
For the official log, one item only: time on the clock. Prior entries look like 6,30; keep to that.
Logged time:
10,35
